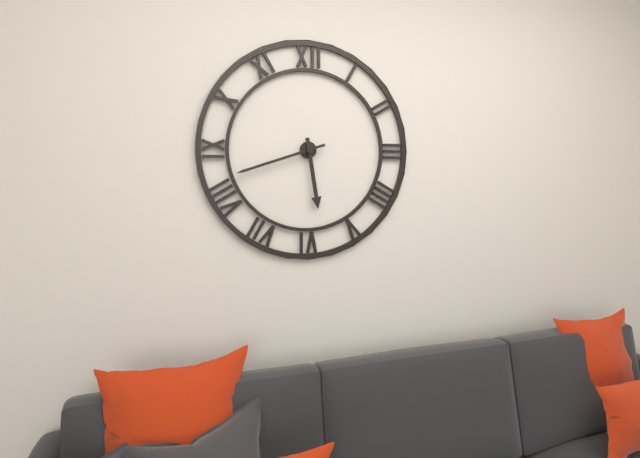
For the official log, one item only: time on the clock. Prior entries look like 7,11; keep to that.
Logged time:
5,42
